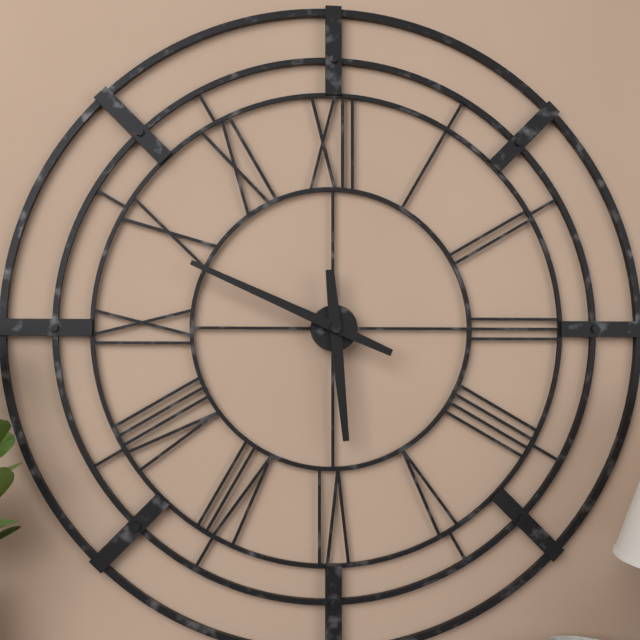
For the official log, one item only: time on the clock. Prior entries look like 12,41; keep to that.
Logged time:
5,49
